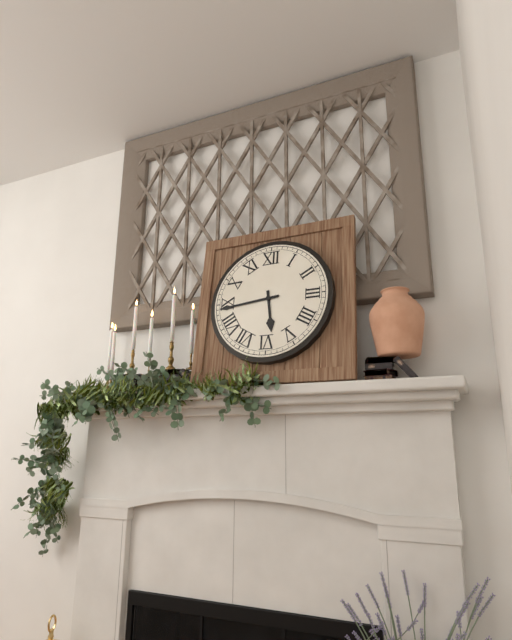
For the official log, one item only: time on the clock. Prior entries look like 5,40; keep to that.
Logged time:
5,44
